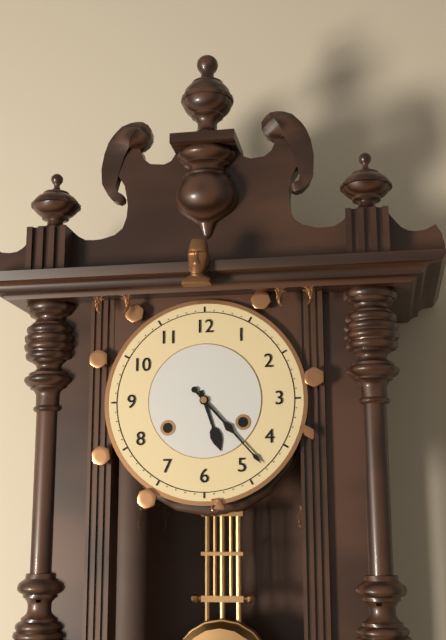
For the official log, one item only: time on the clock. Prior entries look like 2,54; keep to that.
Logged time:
5,23
